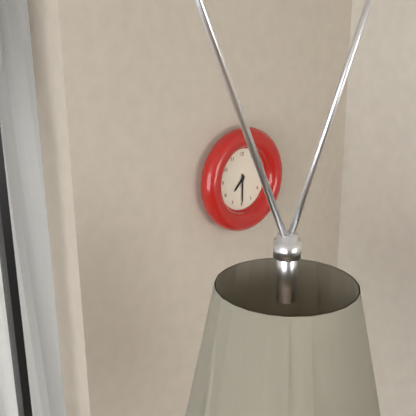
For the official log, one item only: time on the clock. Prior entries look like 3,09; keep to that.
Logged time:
7,30
